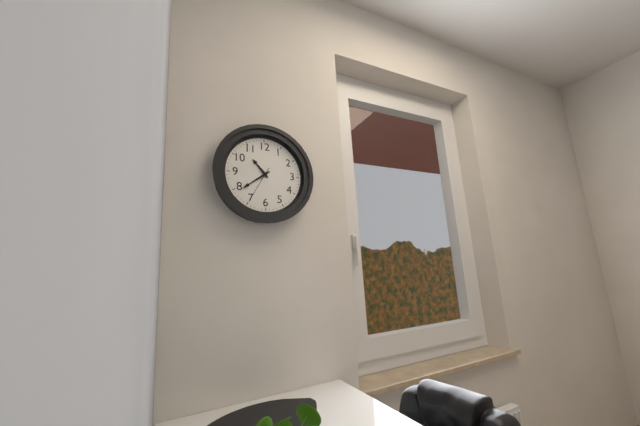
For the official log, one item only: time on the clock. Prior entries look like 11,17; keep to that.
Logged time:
10,39
